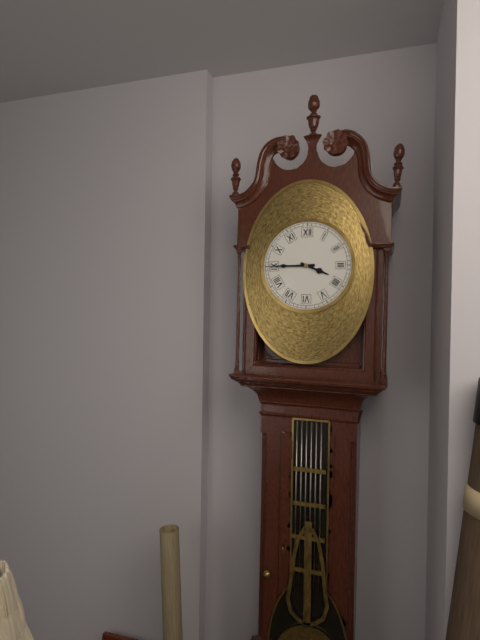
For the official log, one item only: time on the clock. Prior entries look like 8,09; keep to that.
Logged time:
3,45
